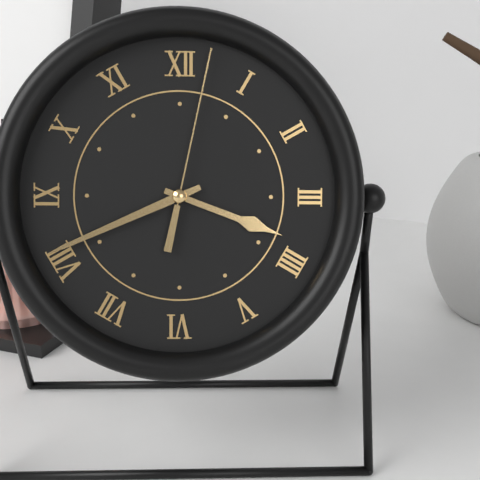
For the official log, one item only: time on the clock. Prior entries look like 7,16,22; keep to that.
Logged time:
3,41,02
